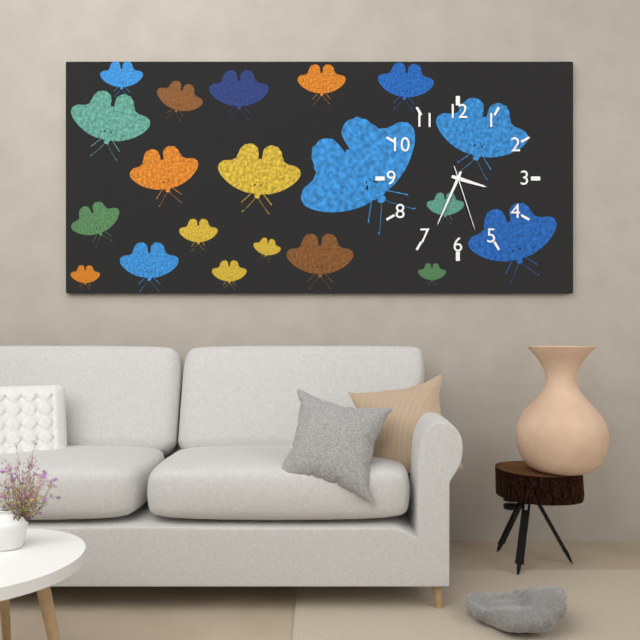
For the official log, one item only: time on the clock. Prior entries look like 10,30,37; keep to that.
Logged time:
3,34,27
